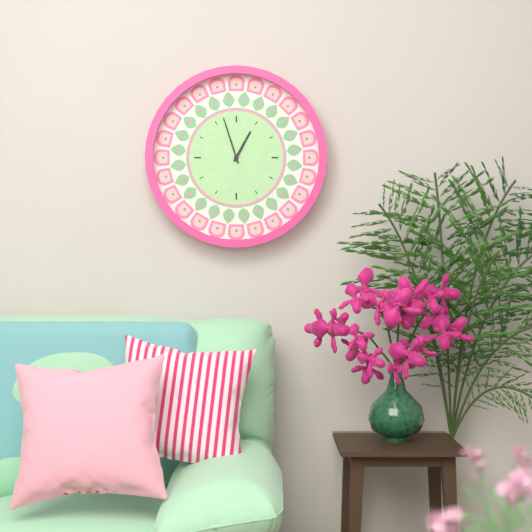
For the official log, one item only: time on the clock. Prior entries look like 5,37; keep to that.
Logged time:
12,57
